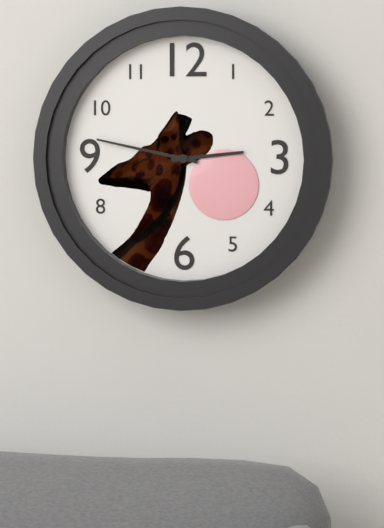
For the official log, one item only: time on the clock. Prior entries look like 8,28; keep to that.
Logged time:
2,47
